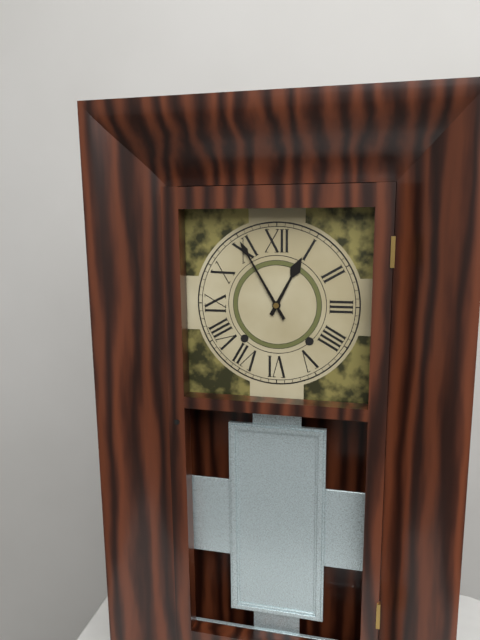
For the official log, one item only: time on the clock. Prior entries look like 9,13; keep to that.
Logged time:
12,55
